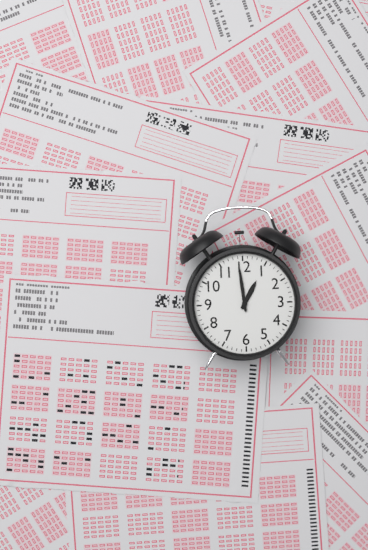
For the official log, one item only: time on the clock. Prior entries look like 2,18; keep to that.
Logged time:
12,59
